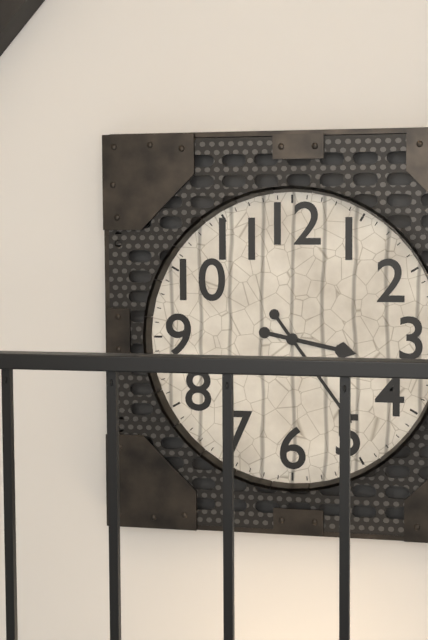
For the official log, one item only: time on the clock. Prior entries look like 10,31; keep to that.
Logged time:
3,24
